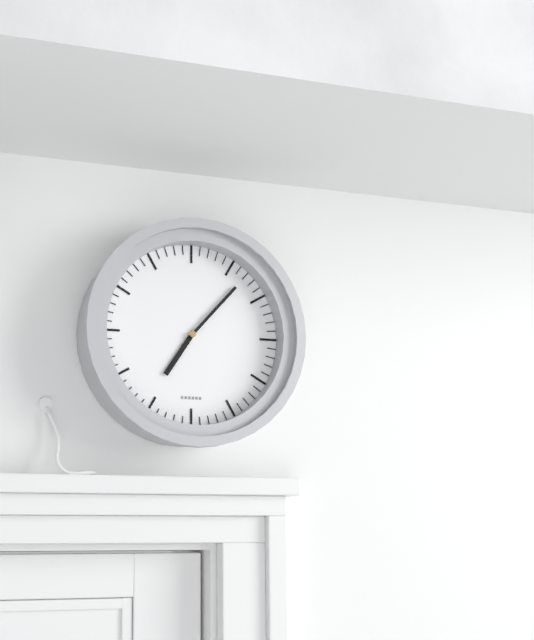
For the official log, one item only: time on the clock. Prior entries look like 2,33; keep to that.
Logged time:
7,07
